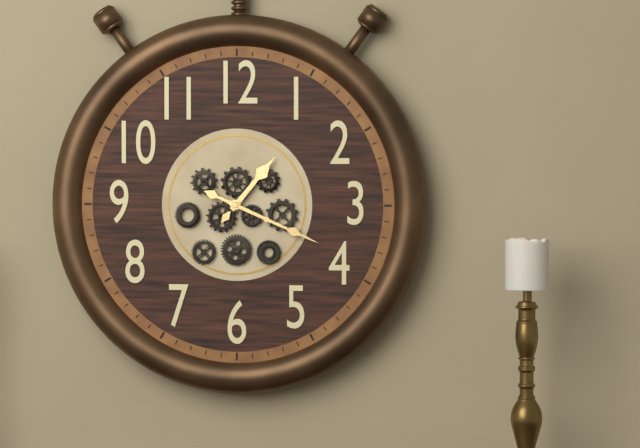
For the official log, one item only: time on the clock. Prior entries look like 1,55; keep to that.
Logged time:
1,19
